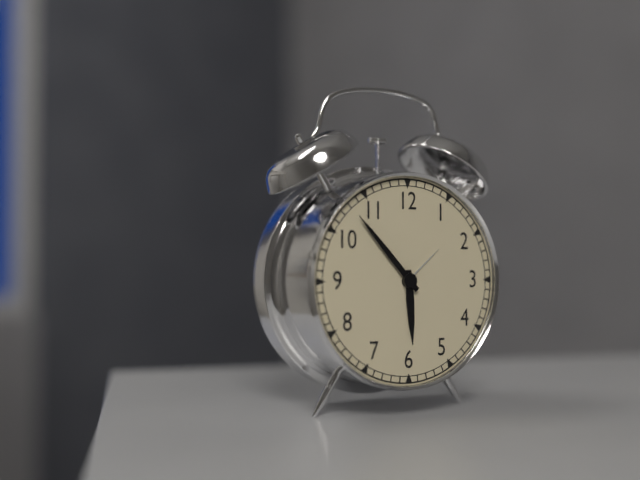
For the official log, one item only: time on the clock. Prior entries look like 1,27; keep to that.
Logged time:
5,53
